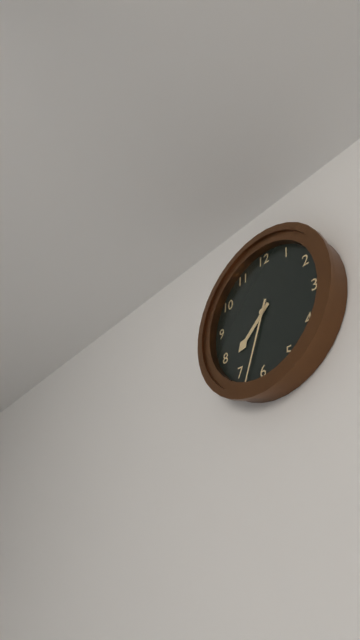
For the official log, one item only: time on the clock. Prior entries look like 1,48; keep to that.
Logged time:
7,33
